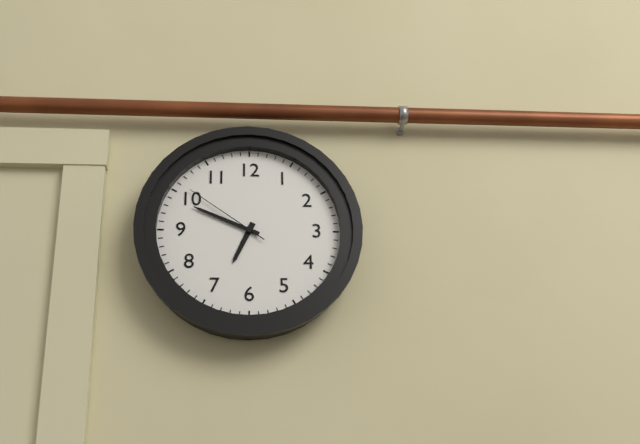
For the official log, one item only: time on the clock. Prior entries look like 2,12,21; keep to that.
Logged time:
6,49,51
